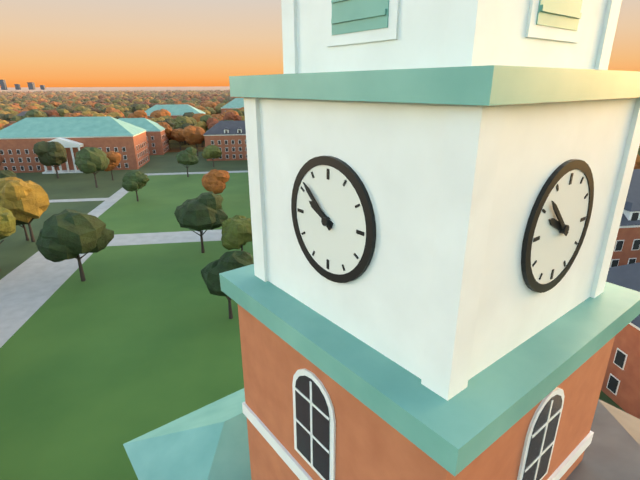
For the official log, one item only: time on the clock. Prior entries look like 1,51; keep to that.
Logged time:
9,52
